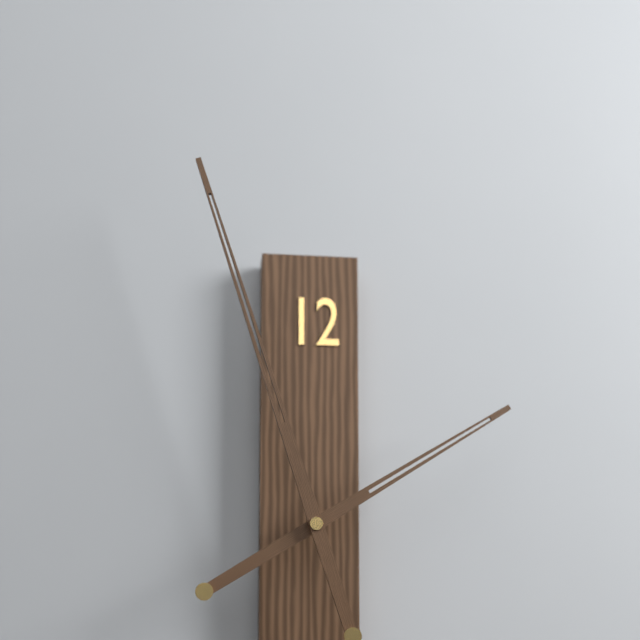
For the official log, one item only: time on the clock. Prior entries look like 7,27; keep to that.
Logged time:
1,57
